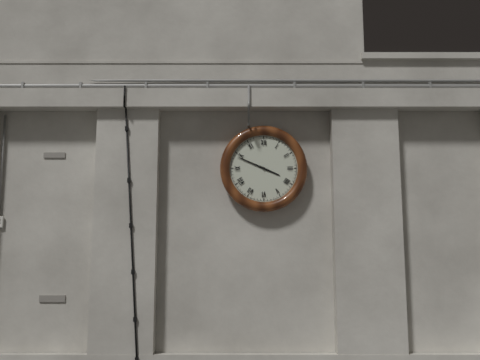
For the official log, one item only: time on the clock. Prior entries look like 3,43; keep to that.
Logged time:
3,49
